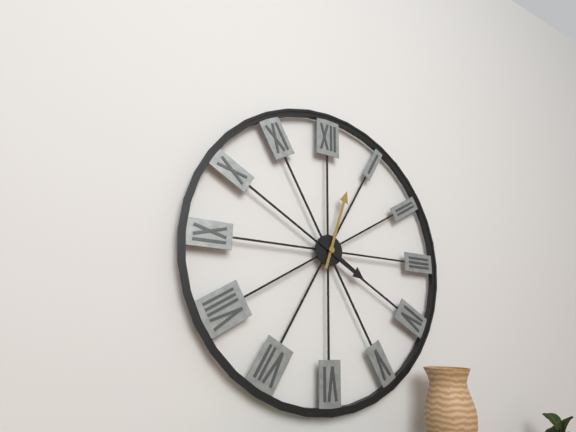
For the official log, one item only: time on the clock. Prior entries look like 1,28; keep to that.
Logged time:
4,03
